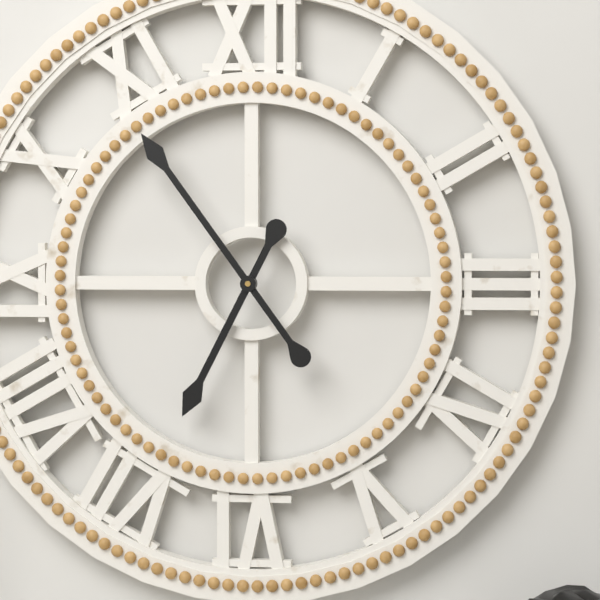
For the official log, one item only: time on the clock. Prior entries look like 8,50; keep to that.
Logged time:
6,54
